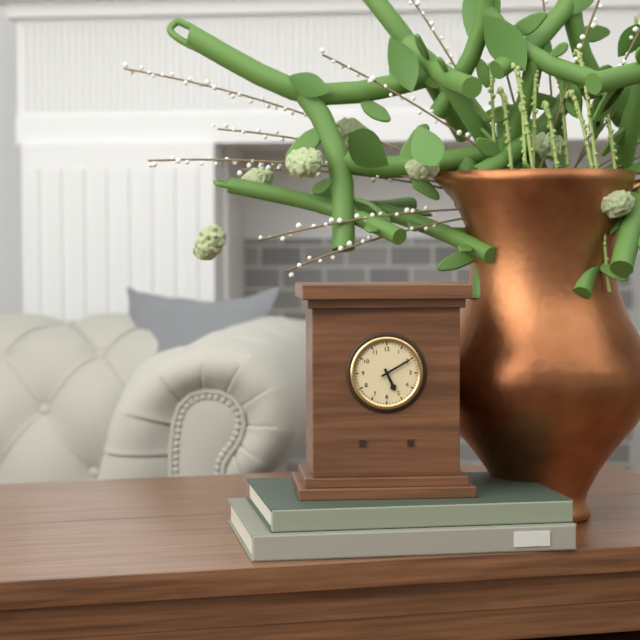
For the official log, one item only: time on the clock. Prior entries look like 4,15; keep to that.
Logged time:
5,10
